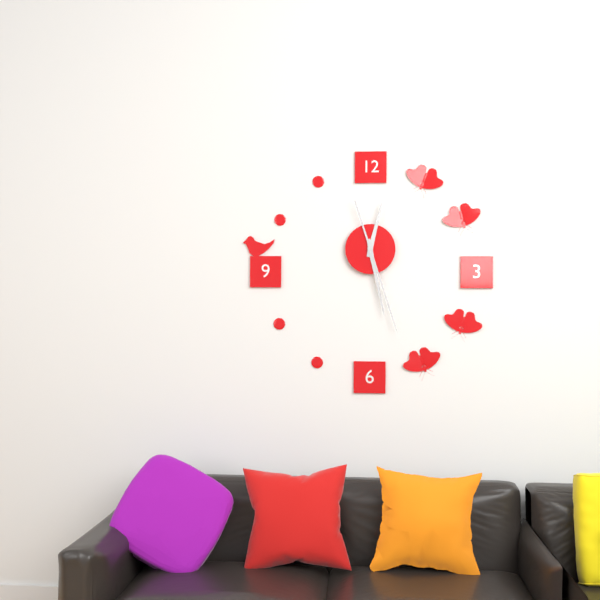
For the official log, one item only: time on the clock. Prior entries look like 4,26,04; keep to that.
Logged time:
12,28,27
